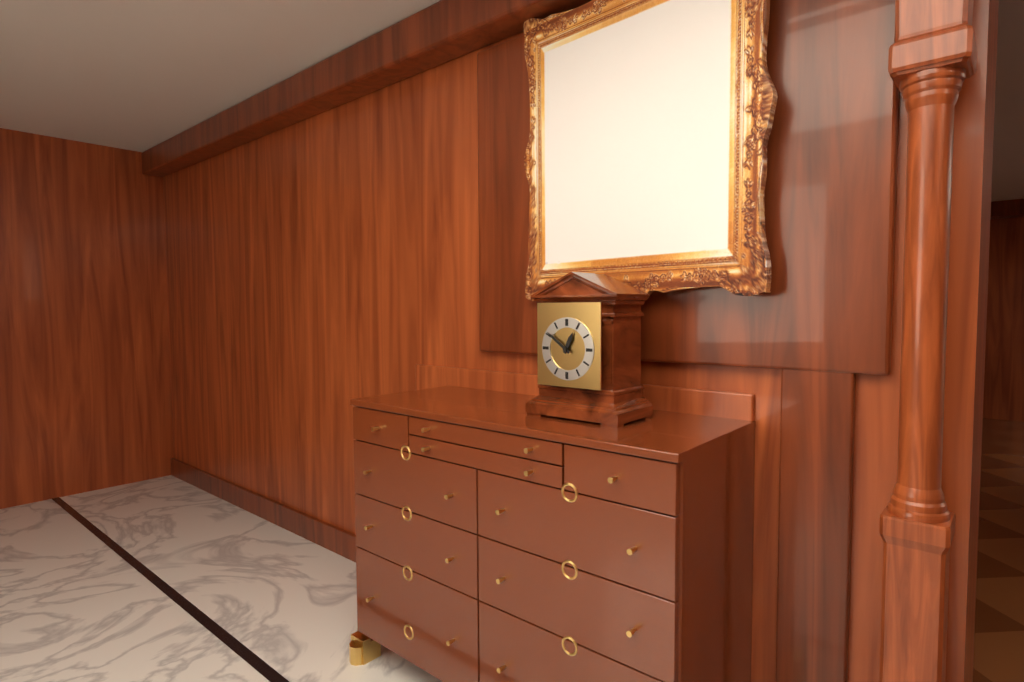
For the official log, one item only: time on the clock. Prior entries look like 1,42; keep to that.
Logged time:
12,51
